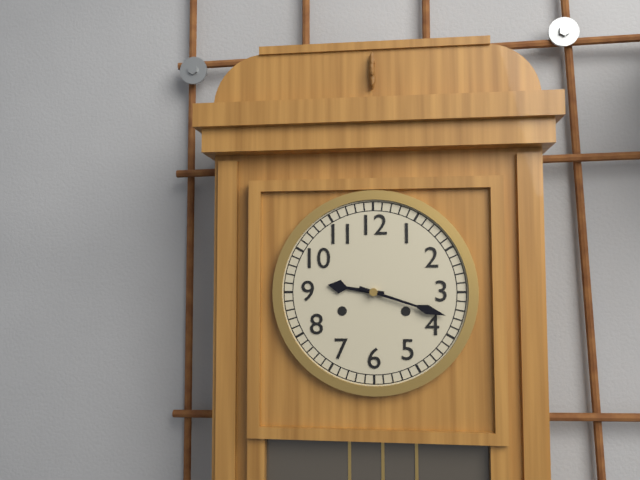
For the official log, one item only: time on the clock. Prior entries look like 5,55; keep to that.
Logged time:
9,18
